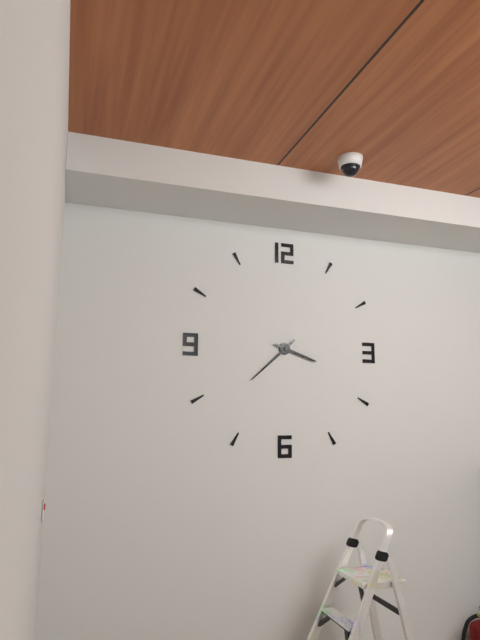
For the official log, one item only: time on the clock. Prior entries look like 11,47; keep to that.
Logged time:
3,38
